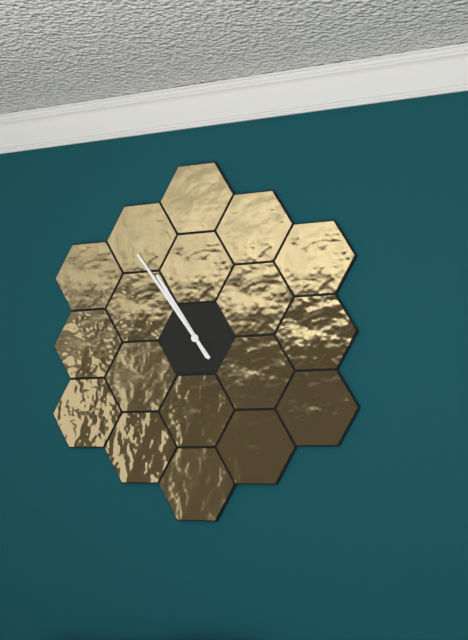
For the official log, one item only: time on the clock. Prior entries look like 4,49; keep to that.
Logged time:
10,54
